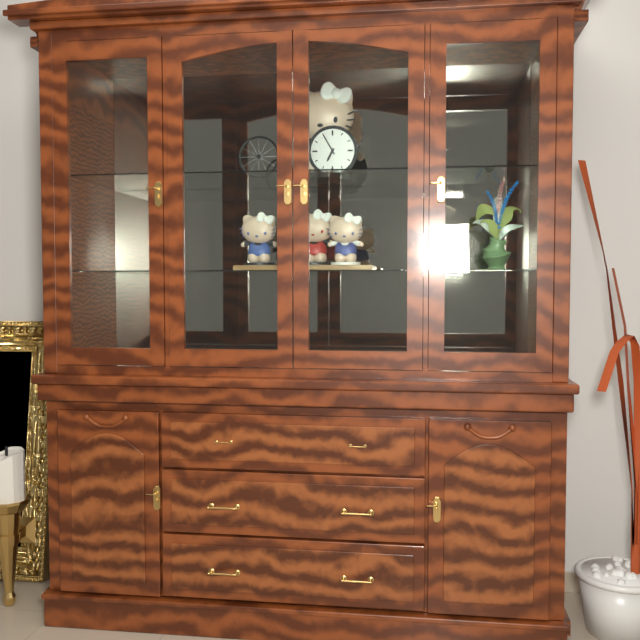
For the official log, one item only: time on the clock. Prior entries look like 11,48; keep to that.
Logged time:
6,55
